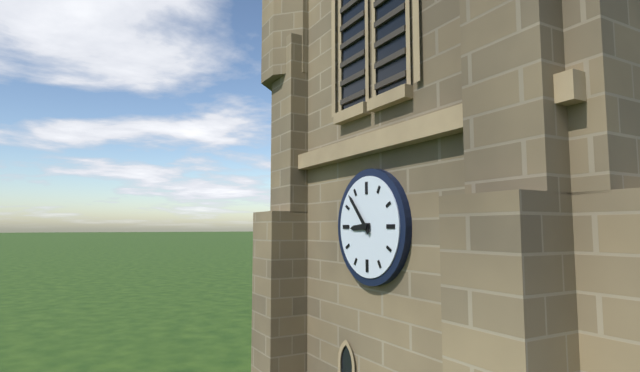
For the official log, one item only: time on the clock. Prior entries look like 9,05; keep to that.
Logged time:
8,53
